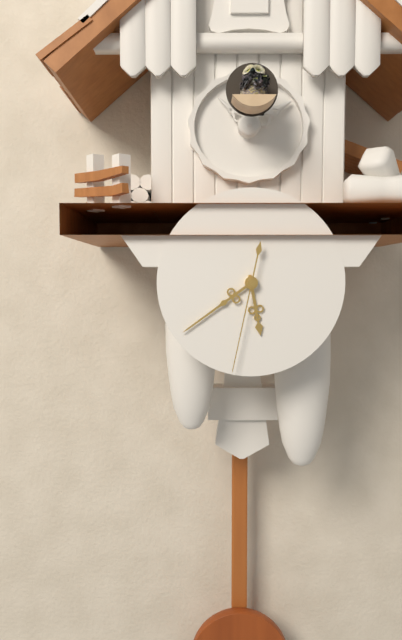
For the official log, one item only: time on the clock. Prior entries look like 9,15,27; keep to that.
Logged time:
5,39,32
